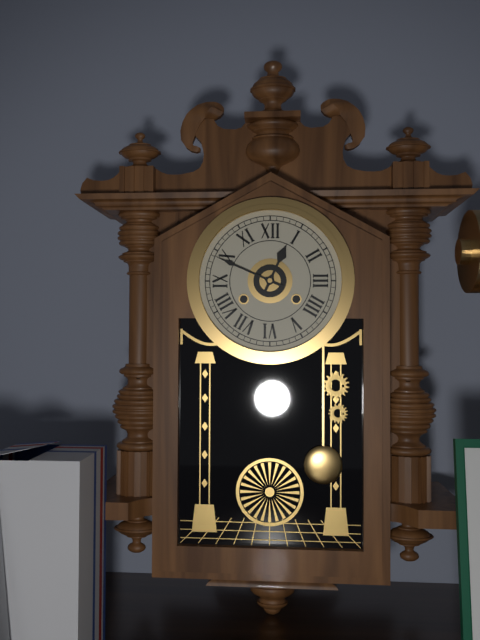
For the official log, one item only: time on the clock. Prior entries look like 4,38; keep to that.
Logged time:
12,49
